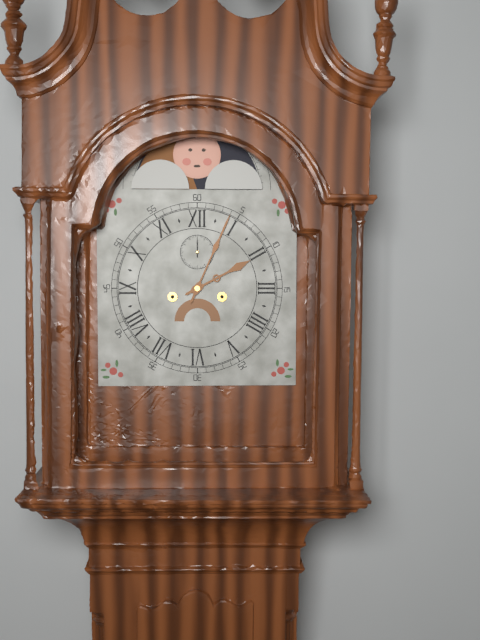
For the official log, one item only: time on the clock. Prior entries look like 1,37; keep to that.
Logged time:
2,04
